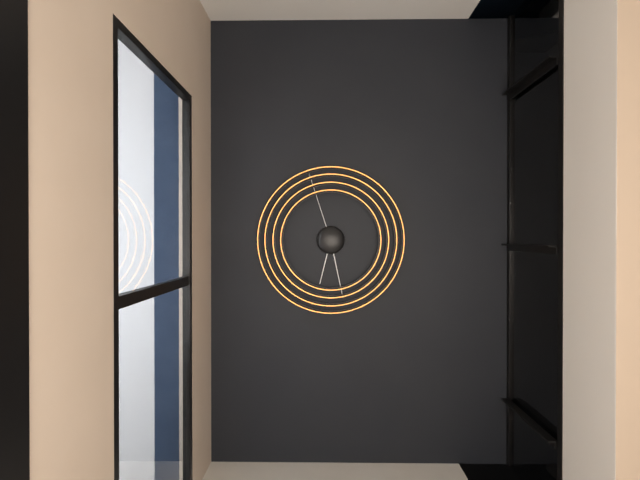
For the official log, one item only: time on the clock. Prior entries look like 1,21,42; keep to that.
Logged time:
6,28,57
